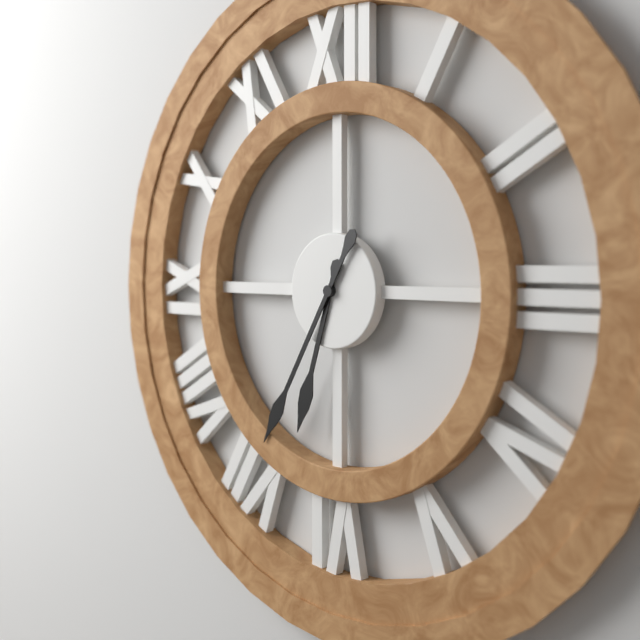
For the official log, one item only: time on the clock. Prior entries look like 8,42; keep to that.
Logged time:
6,35
